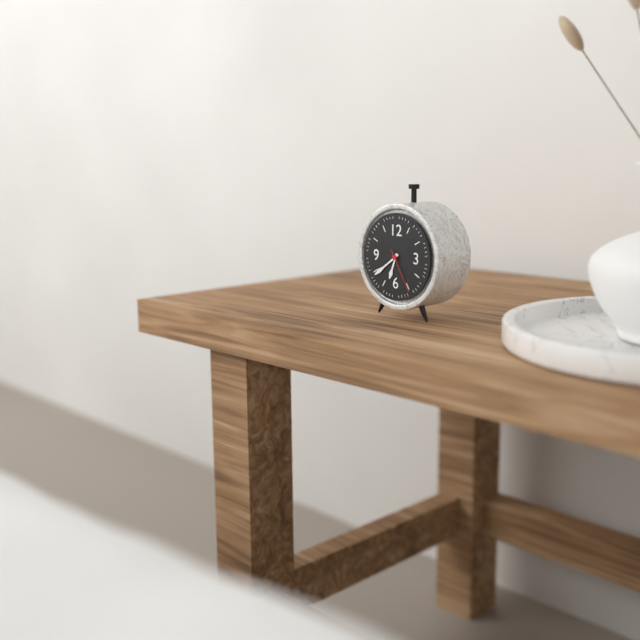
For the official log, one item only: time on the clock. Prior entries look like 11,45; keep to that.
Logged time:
6,39
